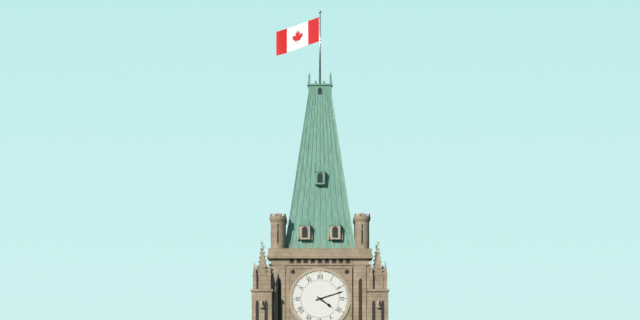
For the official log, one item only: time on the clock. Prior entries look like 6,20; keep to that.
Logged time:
4,12
